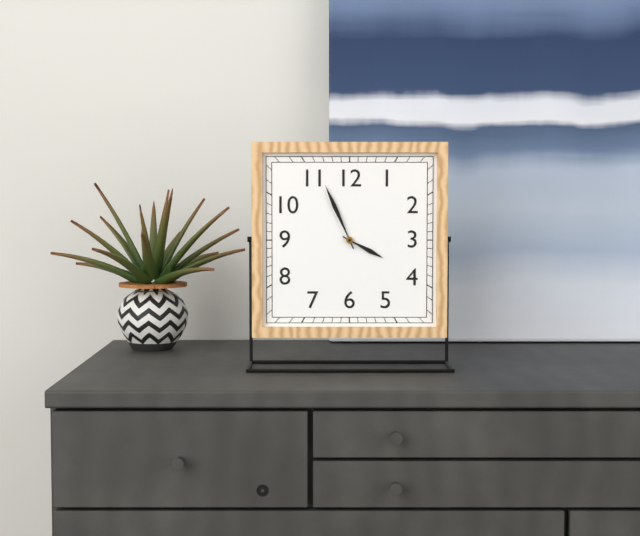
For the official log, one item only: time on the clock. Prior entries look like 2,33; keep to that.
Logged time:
3,56
